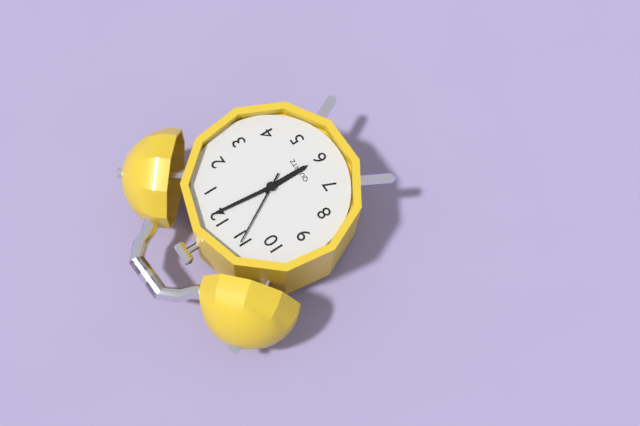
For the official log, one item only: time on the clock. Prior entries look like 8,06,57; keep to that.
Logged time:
6,01,55
